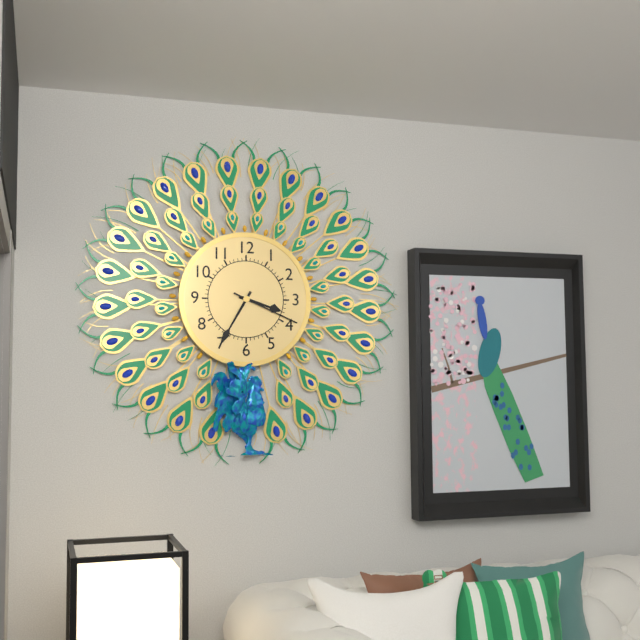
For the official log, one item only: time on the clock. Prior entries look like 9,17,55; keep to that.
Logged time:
3,35,19
